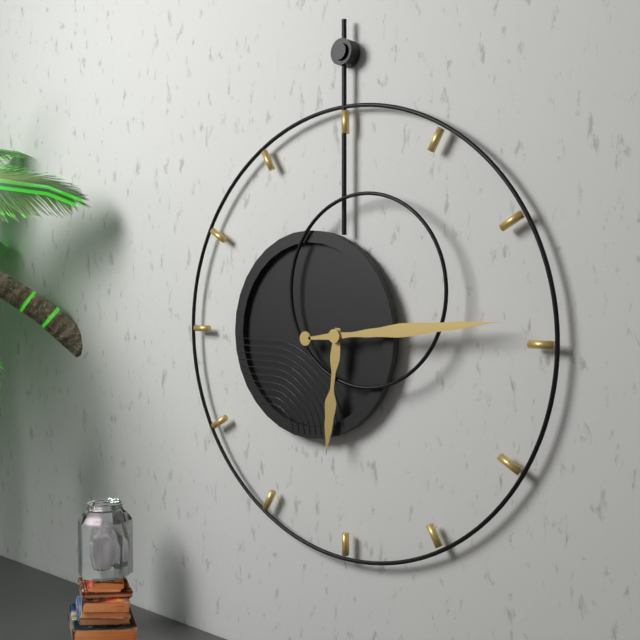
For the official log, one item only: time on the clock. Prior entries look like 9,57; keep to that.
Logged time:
6,14
